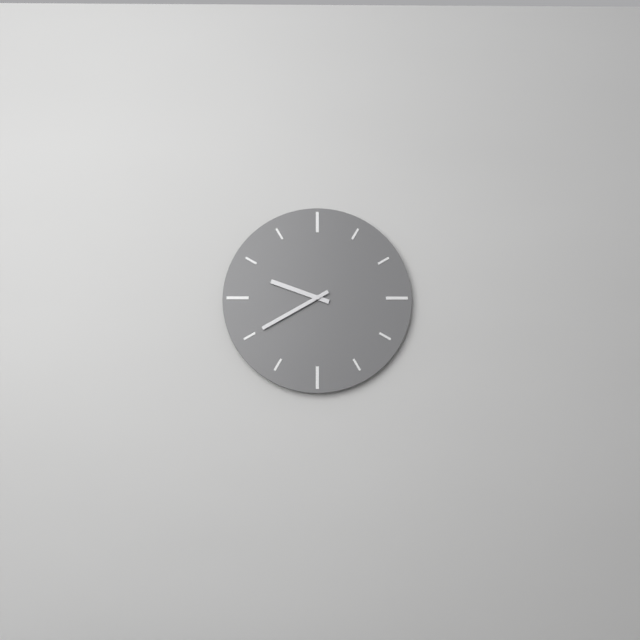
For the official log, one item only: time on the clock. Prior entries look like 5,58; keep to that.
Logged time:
9,40
